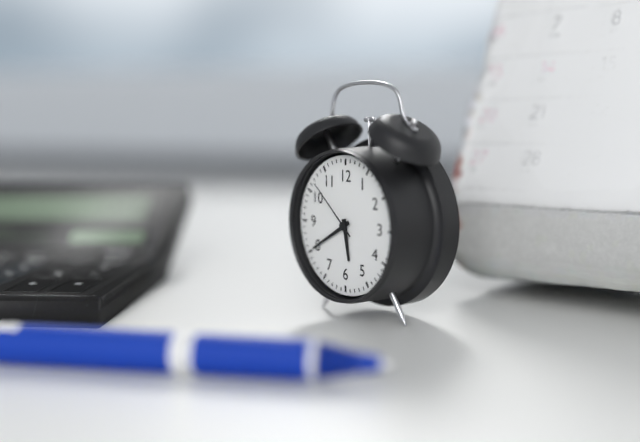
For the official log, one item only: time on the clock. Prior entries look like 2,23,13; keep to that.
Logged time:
5,40,52
